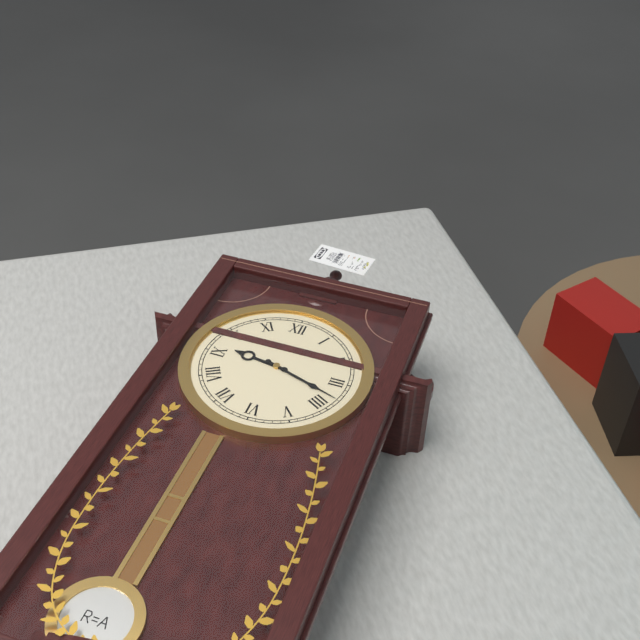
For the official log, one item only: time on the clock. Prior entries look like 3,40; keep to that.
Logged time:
9,18
